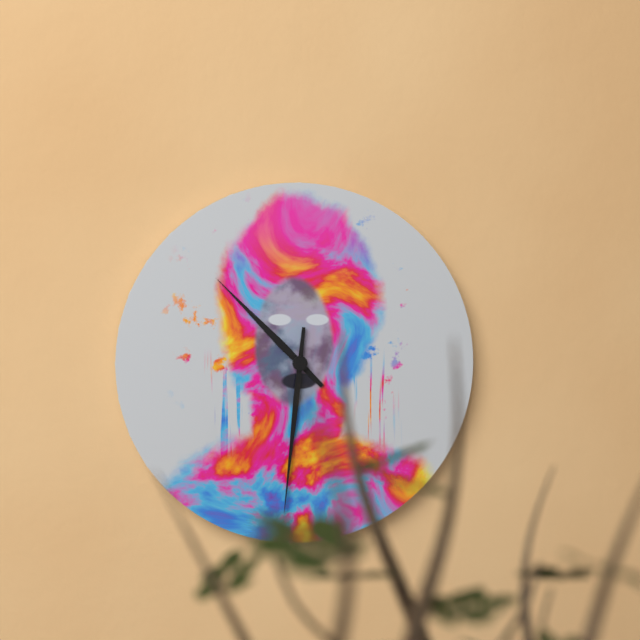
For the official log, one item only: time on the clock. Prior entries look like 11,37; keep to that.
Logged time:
10,31
